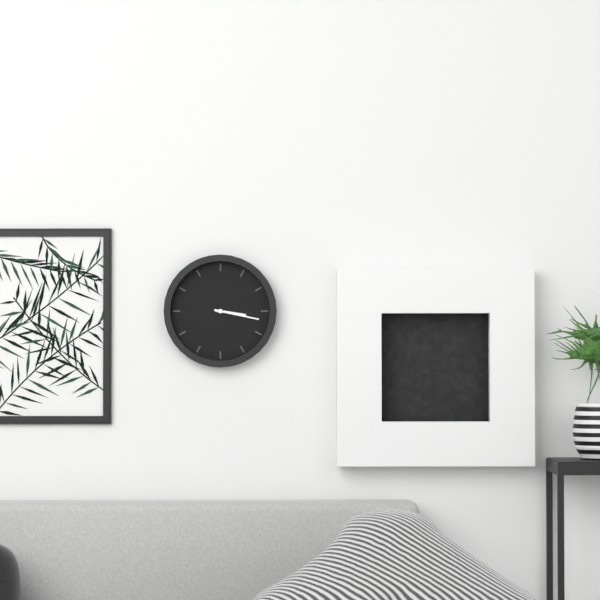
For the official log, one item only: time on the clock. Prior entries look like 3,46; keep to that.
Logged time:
3,17
